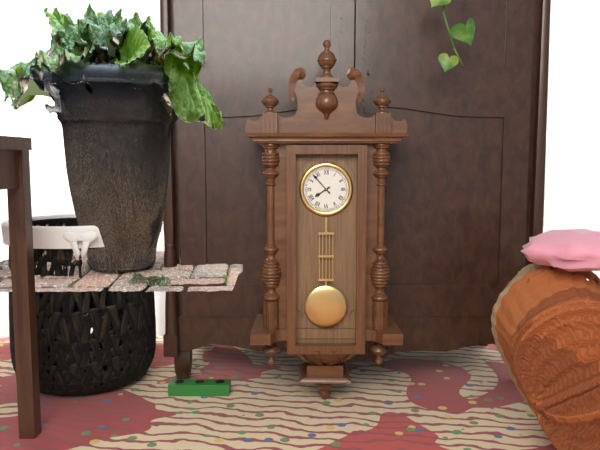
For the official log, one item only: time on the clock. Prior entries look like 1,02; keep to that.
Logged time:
7,53
